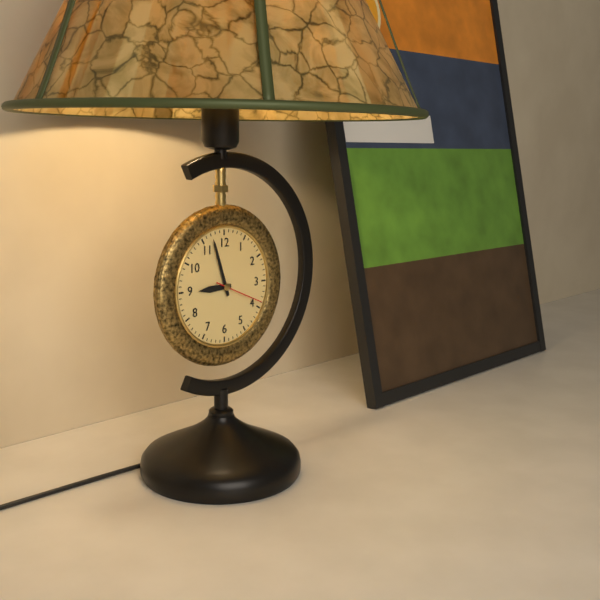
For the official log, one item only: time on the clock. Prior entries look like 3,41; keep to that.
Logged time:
8,57
